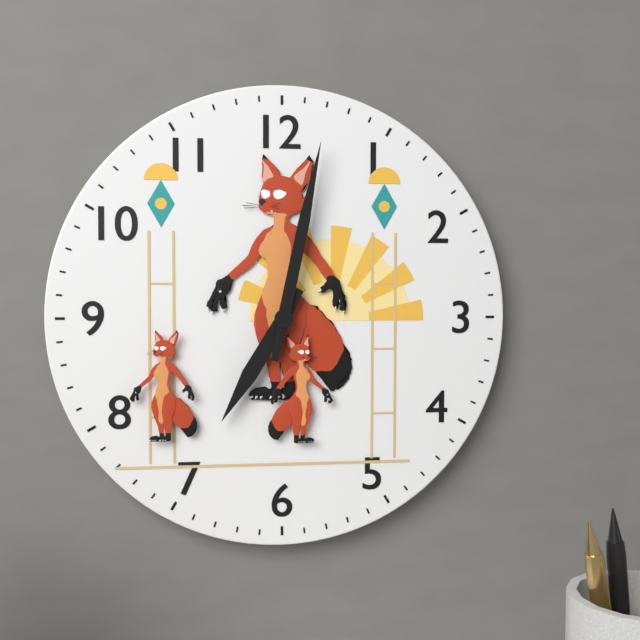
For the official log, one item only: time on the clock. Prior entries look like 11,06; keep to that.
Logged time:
7,02
